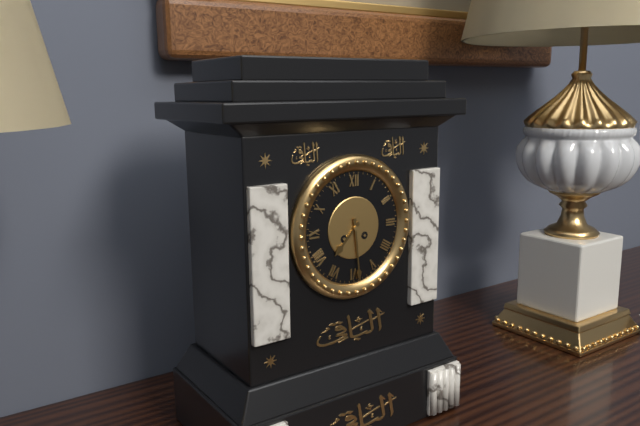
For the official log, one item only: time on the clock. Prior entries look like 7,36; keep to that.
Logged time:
7,29
